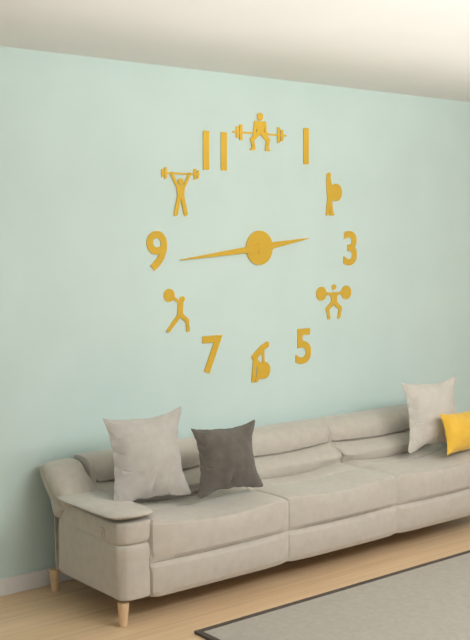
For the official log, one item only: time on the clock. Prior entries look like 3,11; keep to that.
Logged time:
2,44
